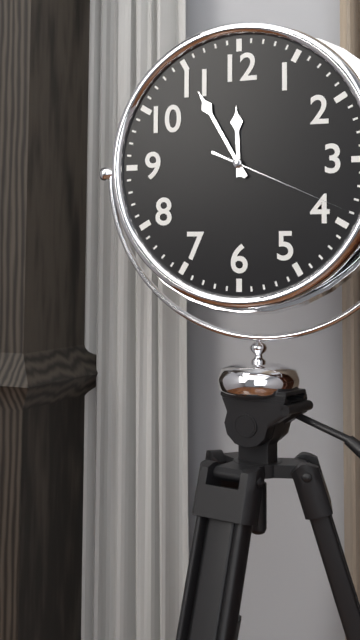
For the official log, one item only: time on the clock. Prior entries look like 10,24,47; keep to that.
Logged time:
11,55,19
